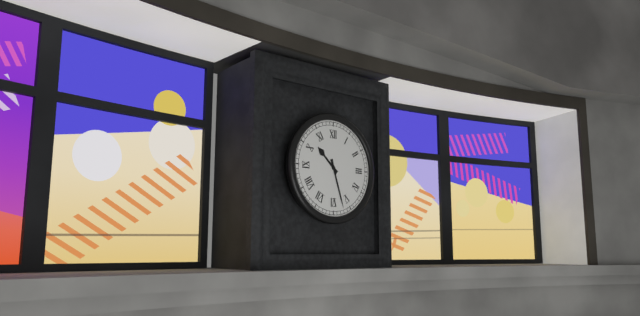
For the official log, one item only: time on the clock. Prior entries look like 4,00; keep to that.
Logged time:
10,27
